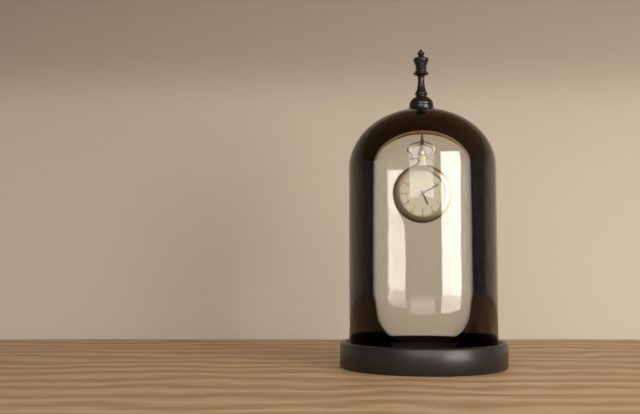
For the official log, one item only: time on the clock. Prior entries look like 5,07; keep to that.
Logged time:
5,10
